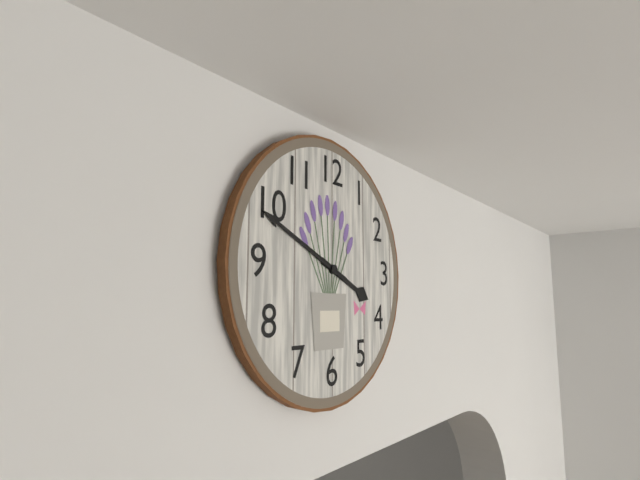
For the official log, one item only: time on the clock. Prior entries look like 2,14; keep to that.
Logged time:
3,49
